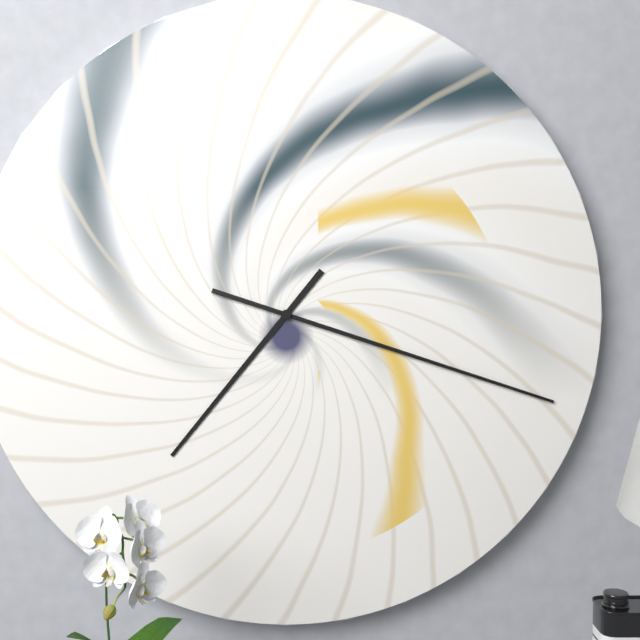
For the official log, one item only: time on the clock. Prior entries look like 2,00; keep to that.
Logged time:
7,18
